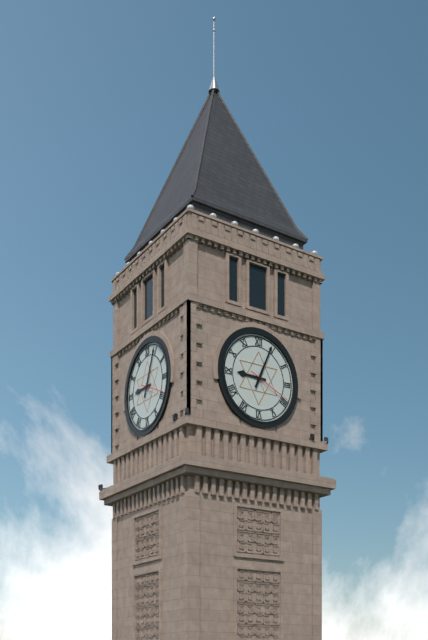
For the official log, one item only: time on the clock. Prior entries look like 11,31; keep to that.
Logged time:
9,04
